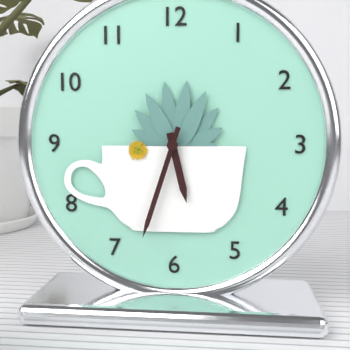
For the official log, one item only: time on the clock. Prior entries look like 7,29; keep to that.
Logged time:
5,33
